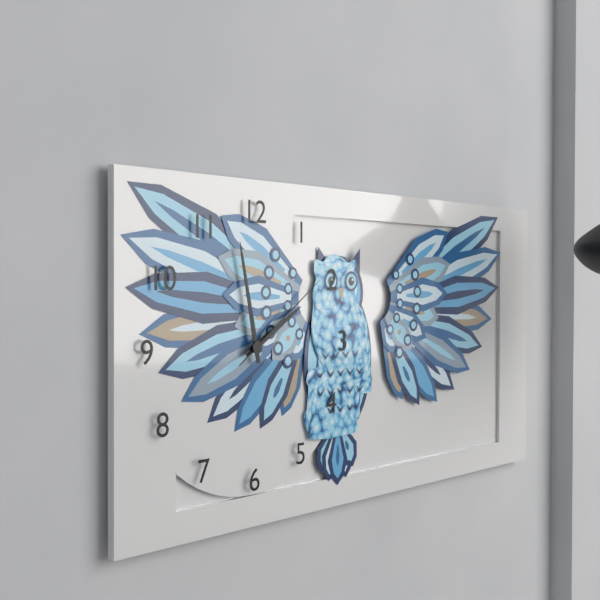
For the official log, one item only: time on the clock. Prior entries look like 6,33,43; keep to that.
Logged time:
1,58,09
